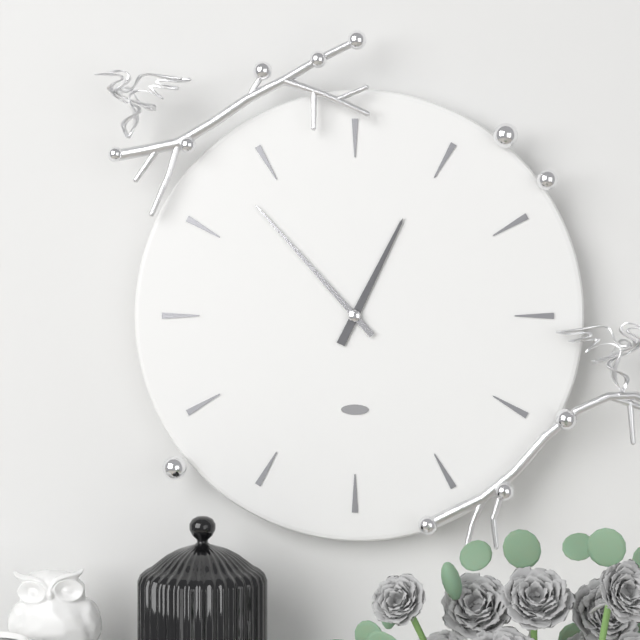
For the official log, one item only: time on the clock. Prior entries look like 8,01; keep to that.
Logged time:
12,53
